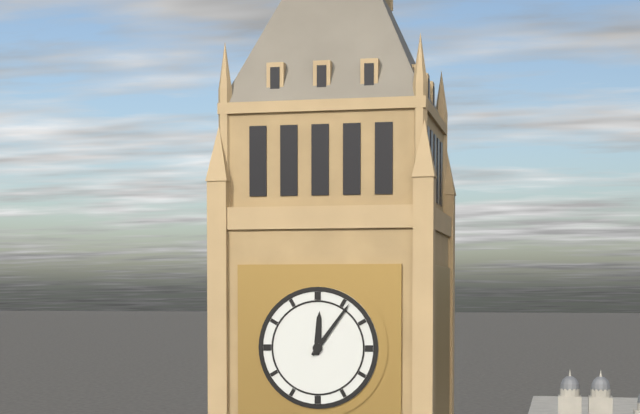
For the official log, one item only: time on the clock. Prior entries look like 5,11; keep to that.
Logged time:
12,06
